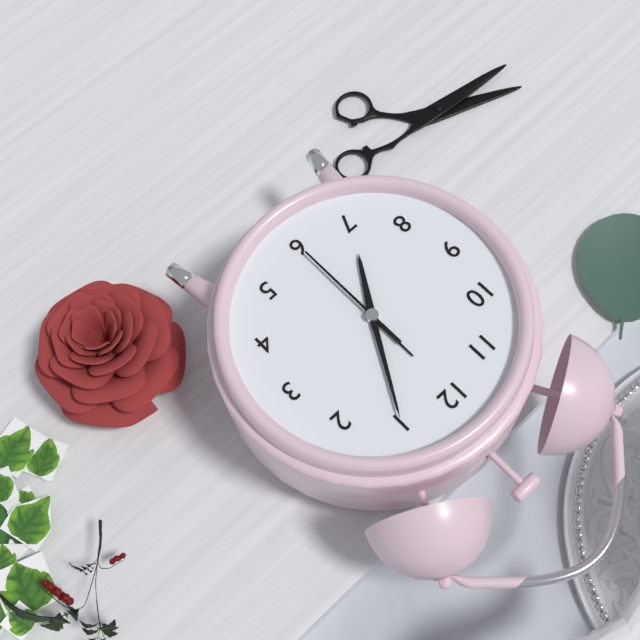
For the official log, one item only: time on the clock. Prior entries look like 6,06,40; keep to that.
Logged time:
7,05,30
